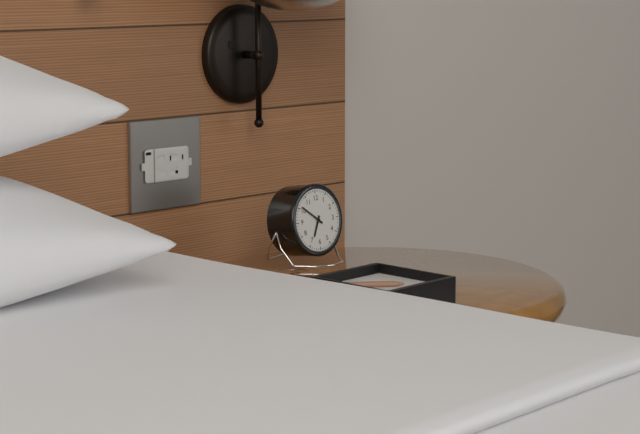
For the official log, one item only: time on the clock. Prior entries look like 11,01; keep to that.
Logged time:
6,51
